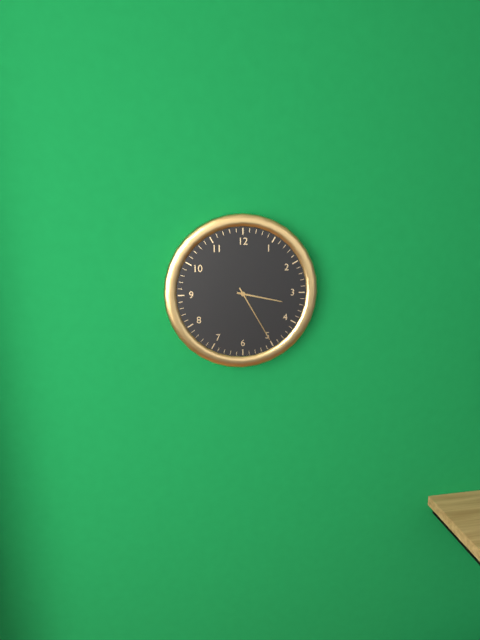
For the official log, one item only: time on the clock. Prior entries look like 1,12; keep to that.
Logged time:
3,25
